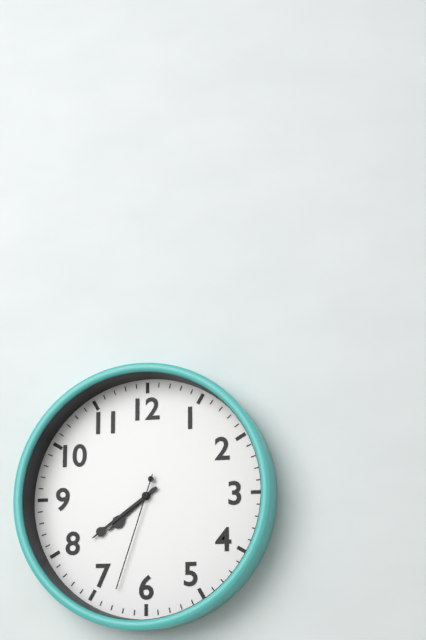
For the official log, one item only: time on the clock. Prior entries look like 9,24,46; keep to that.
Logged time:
7,39,33
